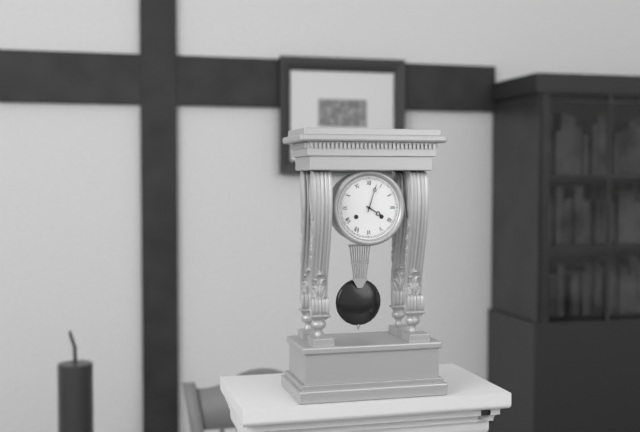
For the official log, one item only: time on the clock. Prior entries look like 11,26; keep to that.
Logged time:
4,03
